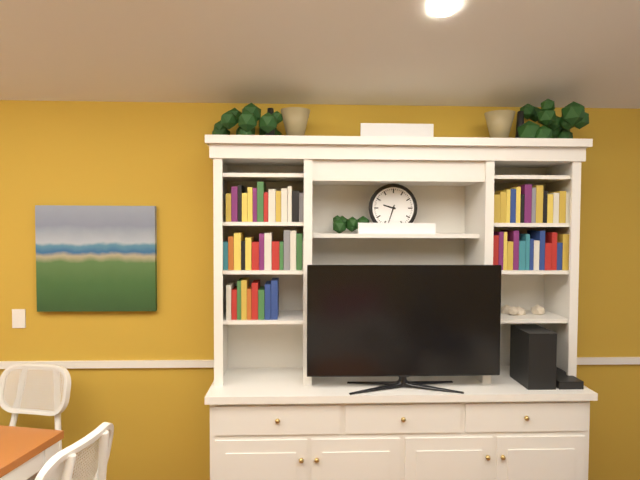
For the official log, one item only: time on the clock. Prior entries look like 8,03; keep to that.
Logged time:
9,33
